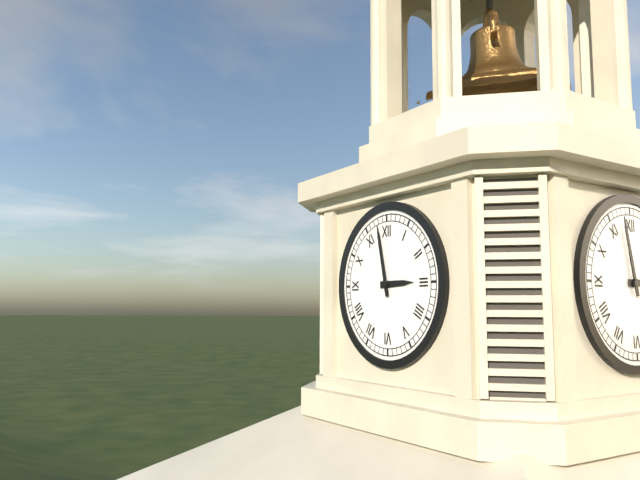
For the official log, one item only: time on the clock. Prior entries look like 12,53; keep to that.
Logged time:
2,58
